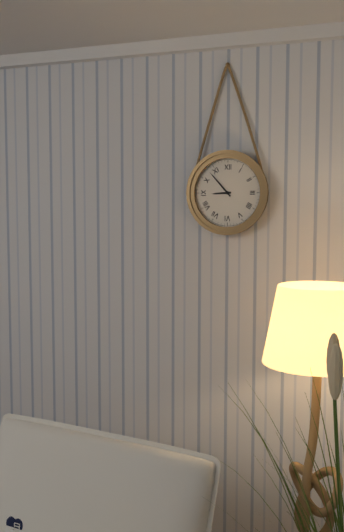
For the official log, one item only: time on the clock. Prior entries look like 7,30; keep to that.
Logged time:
8,53
